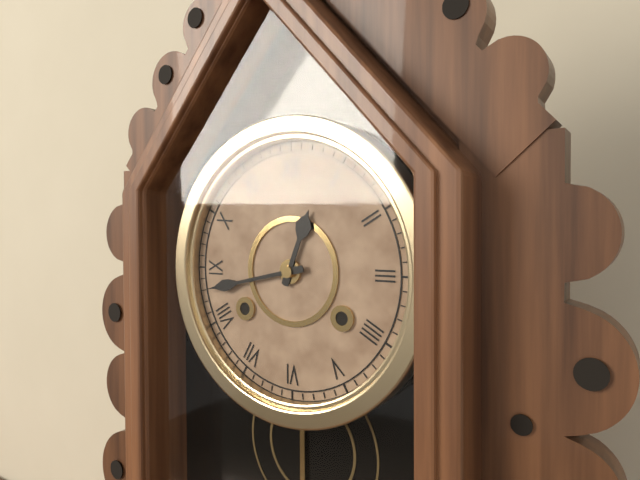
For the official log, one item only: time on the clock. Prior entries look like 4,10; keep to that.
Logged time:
12,43
